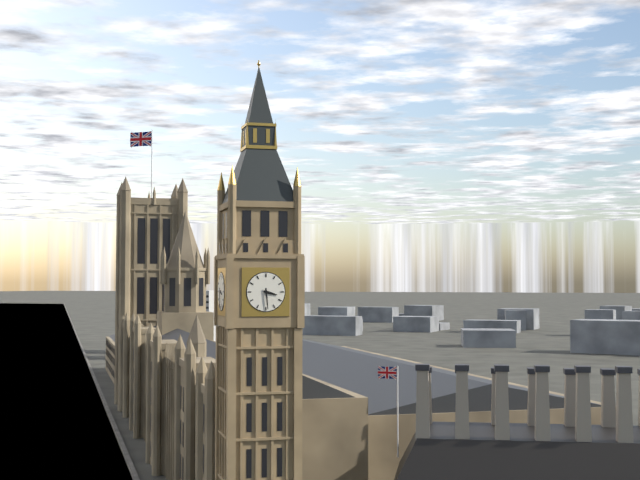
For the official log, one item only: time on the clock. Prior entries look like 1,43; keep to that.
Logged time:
3,29
